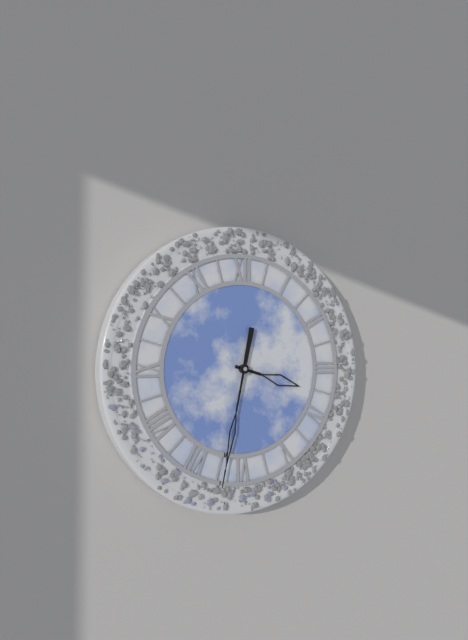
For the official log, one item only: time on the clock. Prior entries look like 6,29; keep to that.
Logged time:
3,32
